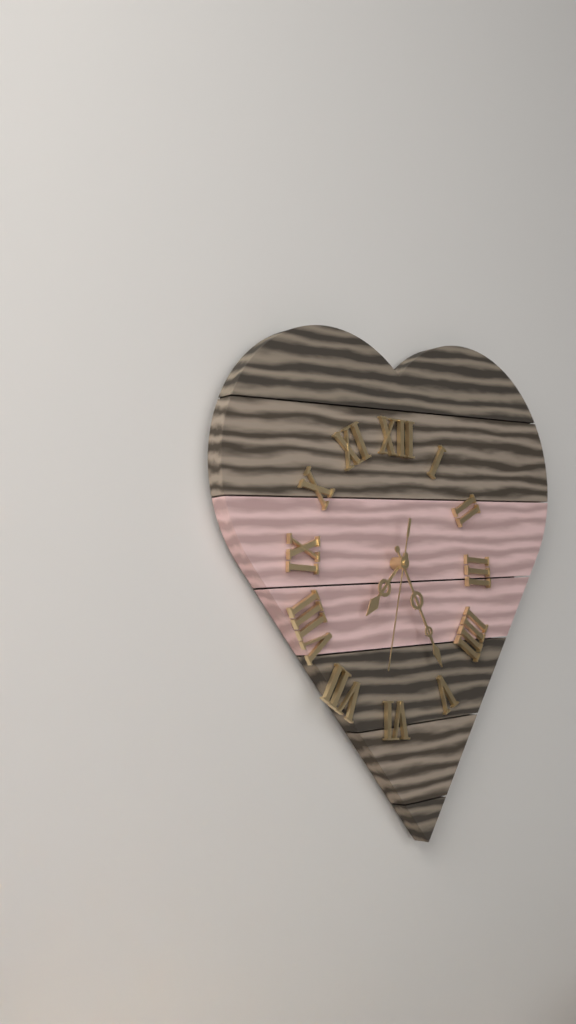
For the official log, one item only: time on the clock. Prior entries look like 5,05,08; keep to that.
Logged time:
7,25,32
